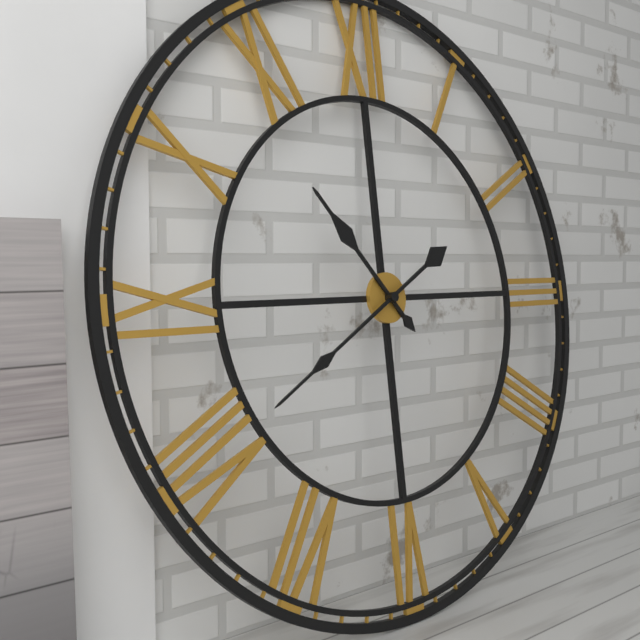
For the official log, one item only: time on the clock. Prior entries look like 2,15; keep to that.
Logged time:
10,40
